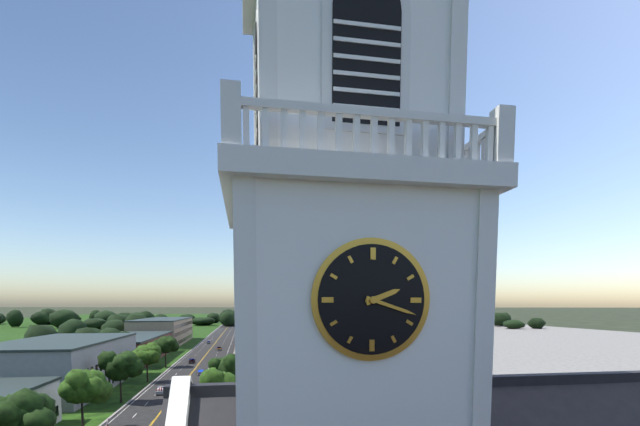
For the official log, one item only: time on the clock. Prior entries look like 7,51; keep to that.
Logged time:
2,18
